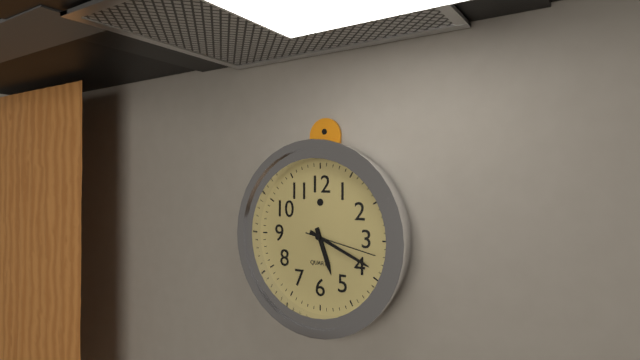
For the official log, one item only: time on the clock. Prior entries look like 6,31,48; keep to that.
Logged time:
5,19,17
